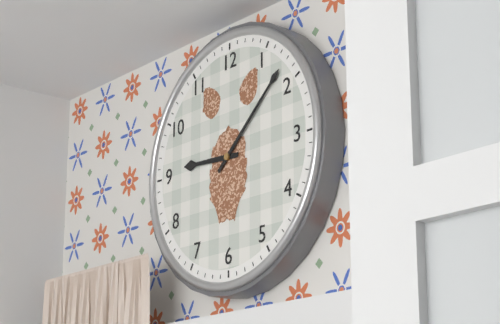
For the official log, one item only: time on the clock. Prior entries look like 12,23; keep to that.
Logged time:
9,08
